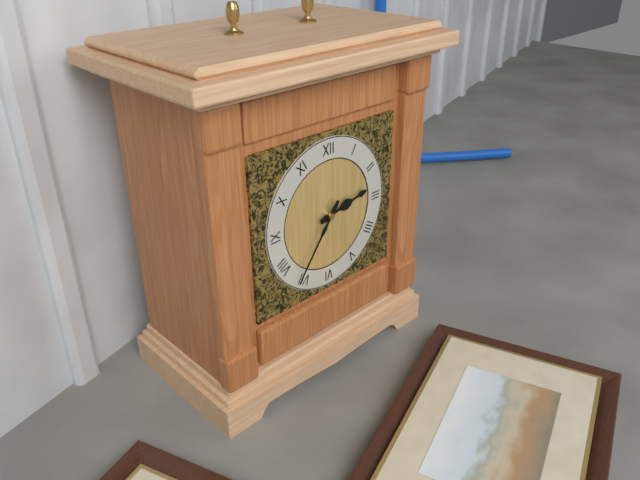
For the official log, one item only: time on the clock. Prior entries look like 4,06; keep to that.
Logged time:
2,36
